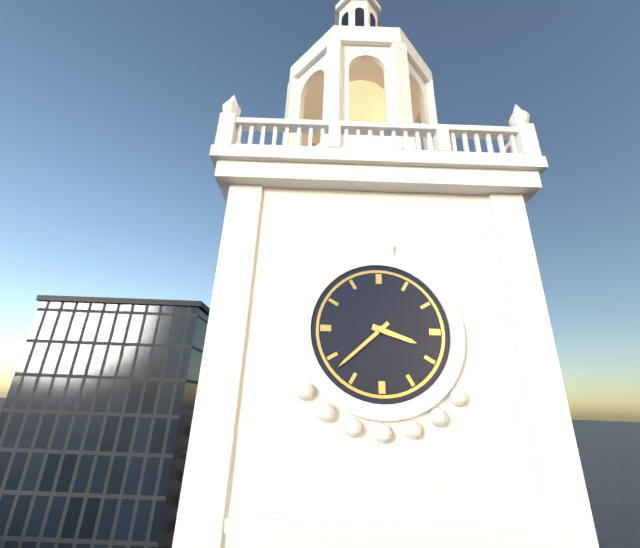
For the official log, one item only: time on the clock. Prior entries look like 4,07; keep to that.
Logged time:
3,38
